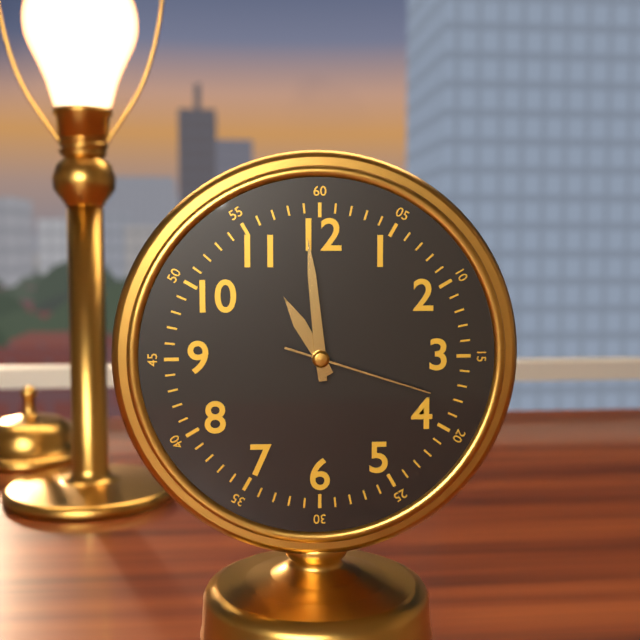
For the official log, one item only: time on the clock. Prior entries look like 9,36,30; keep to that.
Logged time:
10,59,18
